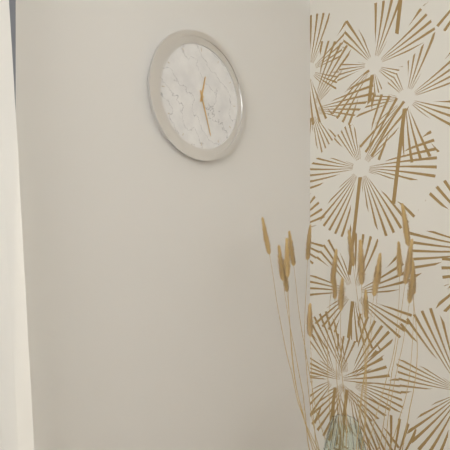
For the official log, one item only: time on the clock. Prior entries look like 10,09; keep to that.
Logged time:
12,27
